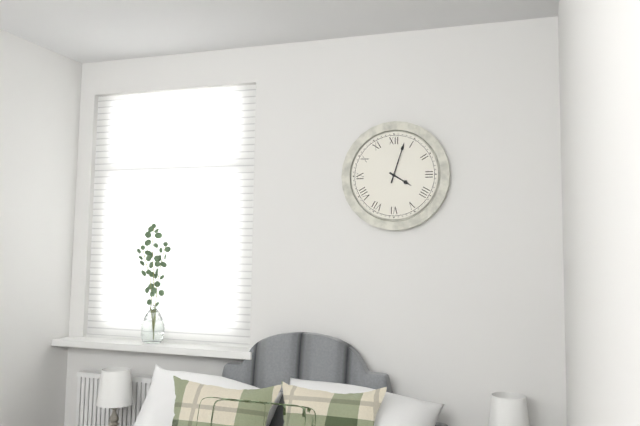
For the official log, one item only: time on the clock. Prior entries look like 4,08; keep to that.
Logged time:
4,03
